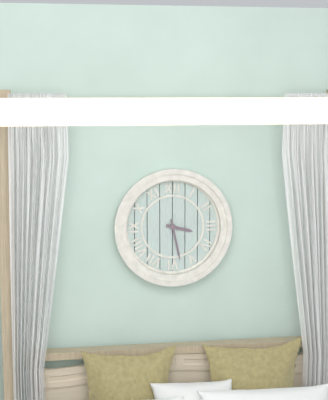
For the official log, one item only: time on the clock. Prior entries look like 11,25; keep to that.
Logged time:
3,28
